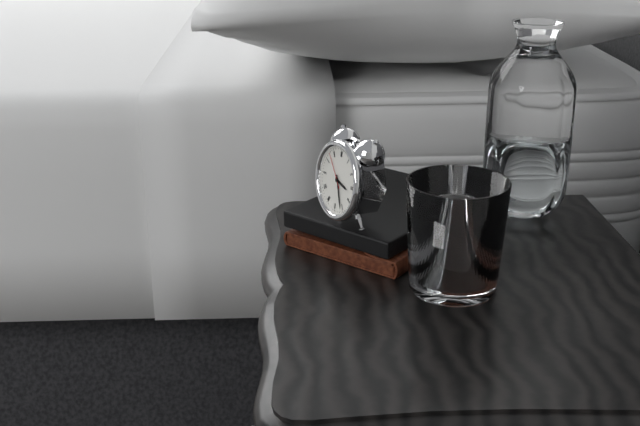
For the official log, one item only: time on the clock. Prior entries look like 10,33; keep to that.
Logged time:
3,26
